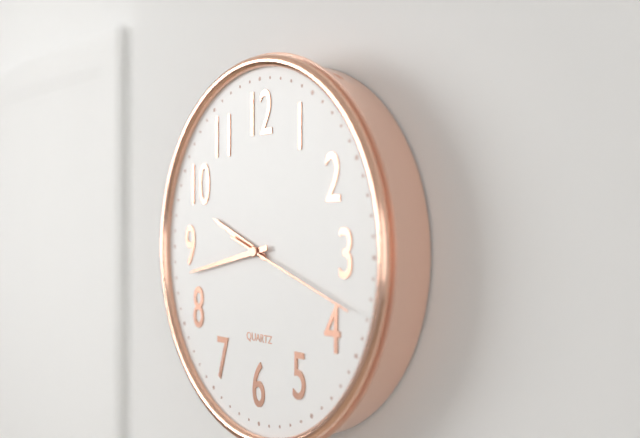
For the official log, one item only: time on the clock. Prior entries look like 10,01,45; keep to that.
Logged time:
9,43,18
